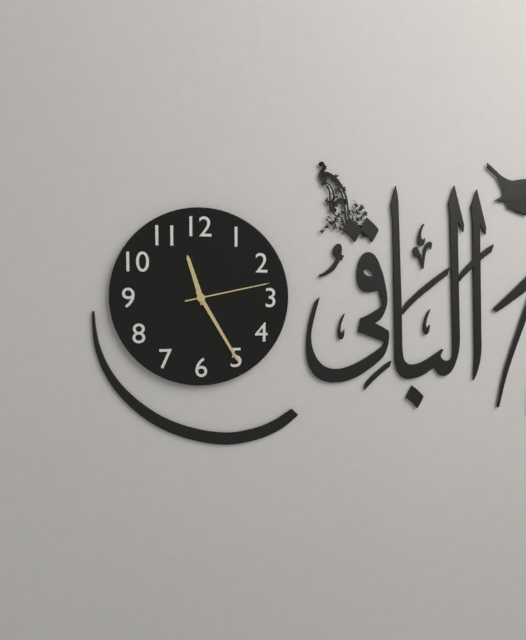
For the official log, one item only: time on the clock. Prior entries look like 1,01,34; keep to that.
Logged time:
11,25,13
